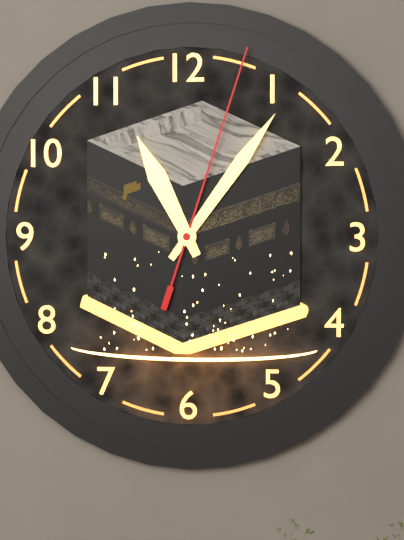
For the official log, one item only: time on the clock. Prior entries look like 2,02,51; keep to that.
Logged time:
11,06,03
